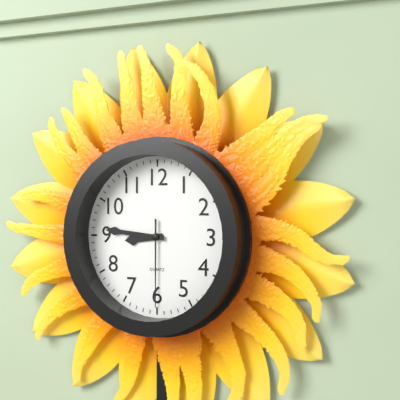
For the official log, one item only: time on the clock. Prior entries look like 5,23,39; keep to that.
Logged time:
8,46,30
